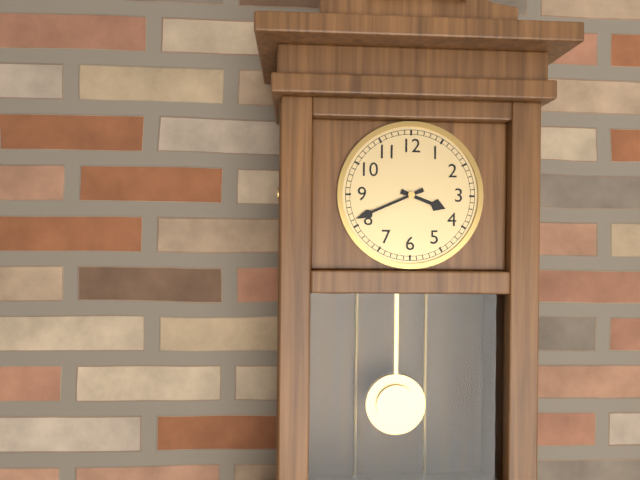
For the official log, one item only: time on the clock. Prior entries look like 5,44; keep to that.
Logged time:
3,41
